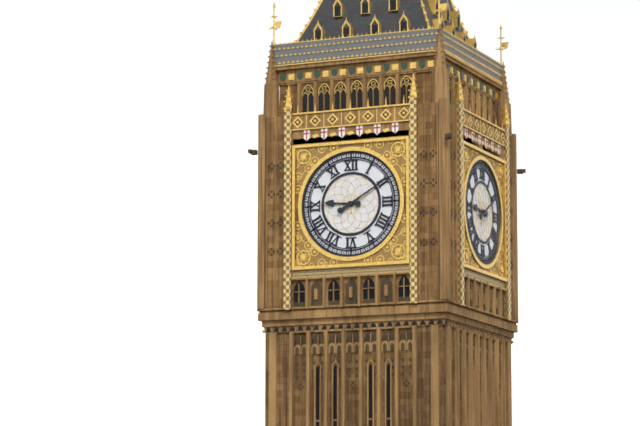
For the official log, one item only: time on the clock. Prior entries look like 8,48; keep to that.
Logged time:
9,10
